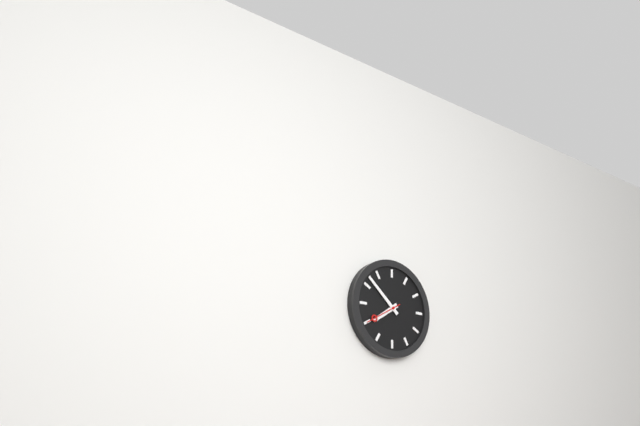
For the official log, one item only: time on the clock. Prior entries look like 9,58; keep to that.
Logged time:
7,52
